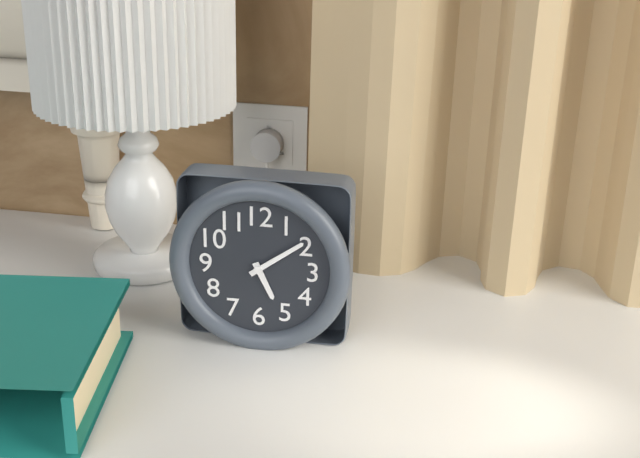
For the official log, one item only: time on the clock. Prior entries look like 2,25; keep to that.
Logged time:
5,09
